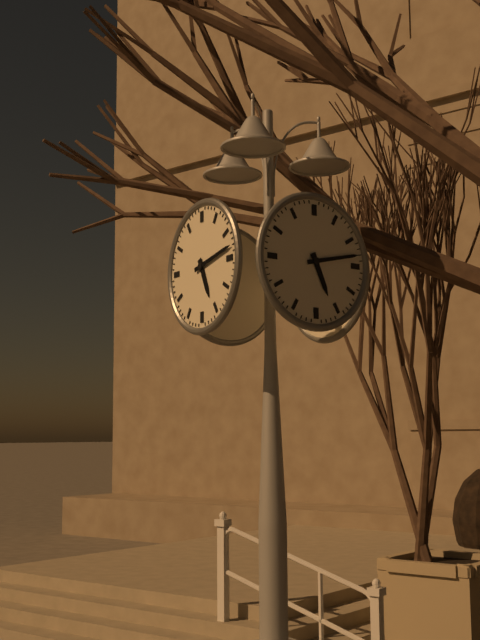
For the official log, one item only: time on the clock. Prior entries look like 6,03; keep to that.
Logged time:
5,13
